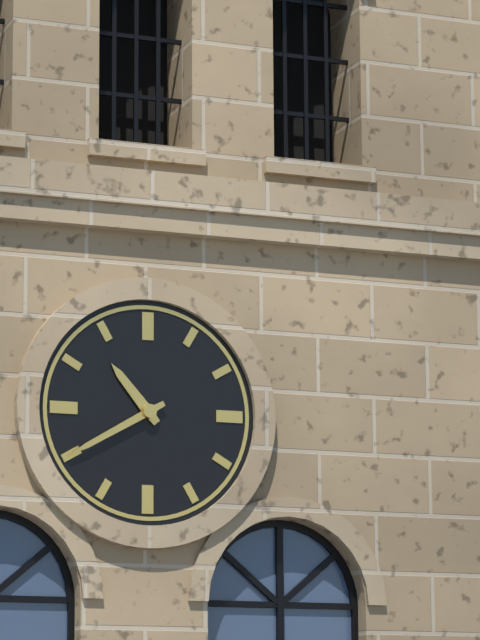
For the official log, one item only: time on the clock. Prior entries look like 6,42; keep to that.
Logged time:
10,40
